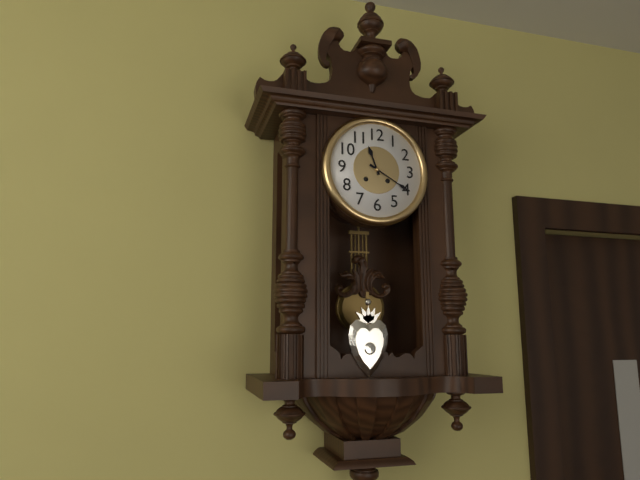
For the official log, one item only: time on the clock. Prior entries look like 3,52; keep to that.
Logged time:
11,20
